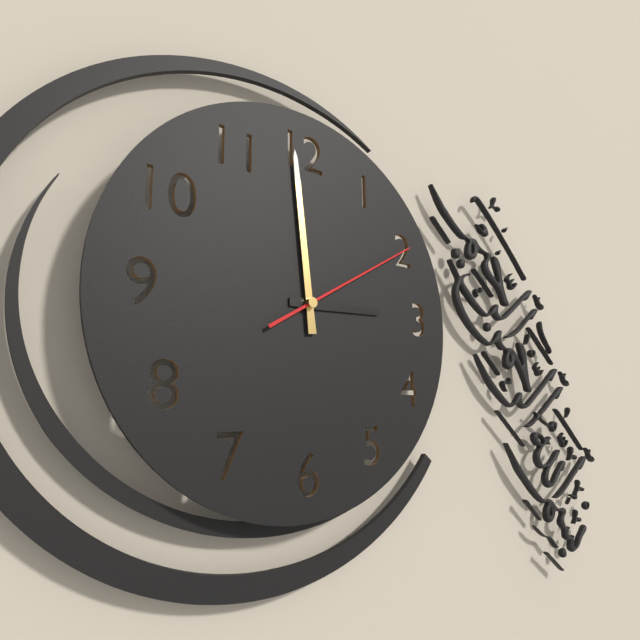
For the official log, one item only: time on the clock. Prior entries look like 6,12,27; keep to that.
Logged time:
2,59,10
